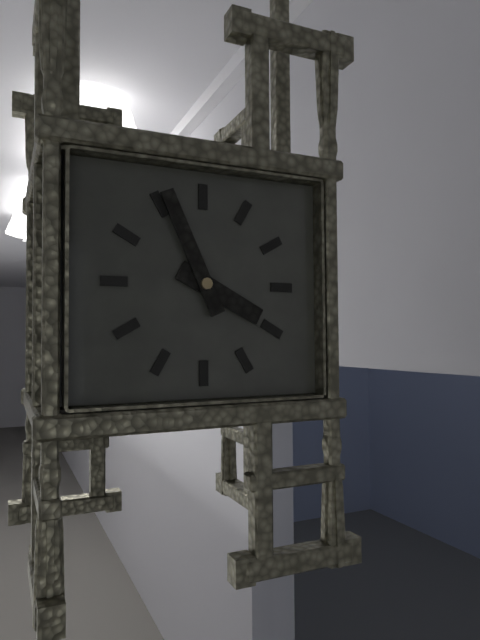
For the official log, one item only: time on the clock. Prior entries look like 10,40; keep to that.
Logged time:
3,56
